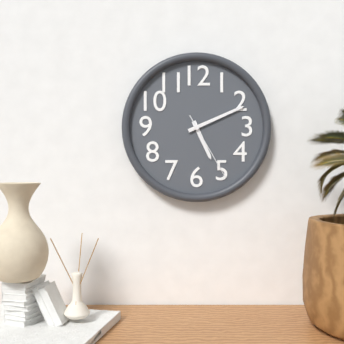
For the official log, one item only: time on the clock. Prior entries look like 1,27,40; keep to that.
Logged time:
5,11,25
